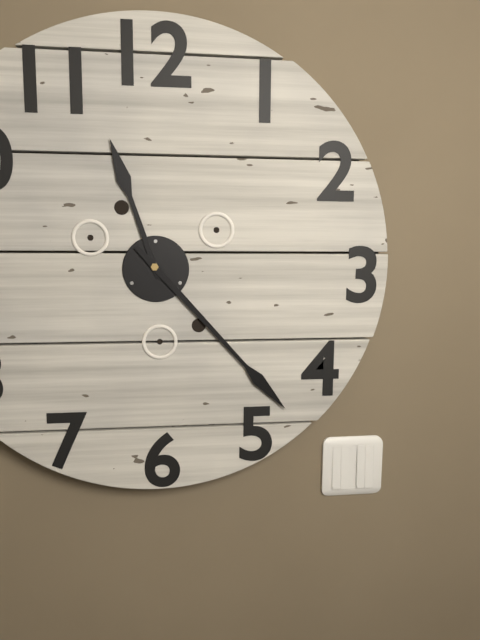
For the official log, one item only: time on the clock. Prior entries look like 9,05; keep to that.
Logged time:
11,23
